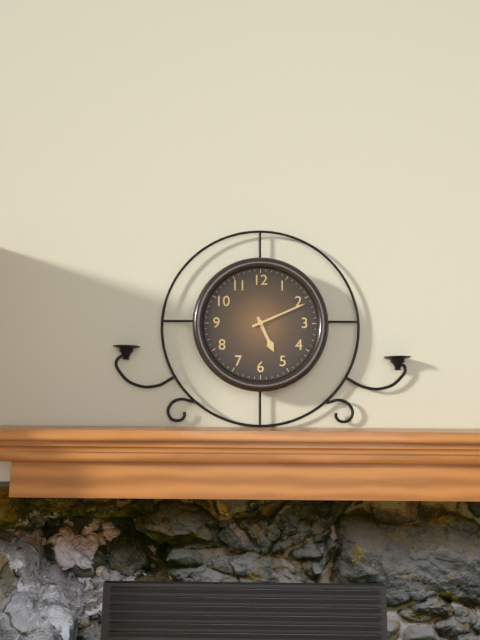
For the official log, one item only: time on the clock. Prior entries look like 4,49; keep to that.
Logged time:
5,11
